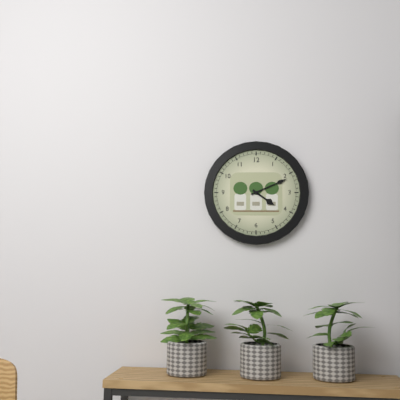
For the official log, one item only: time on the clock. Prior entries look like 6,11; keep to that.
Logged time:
4,11
